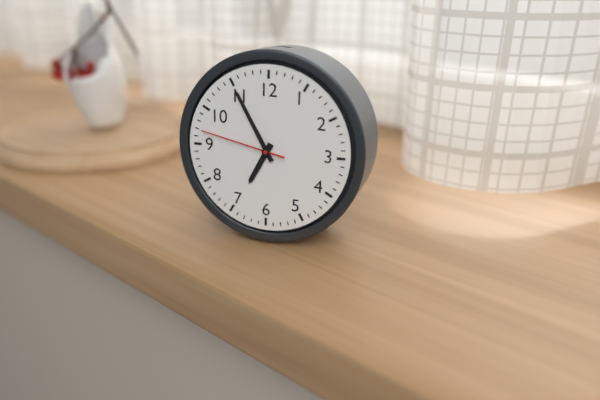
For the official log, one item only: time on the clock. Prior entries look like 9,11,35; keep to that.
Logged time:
6,55,47
